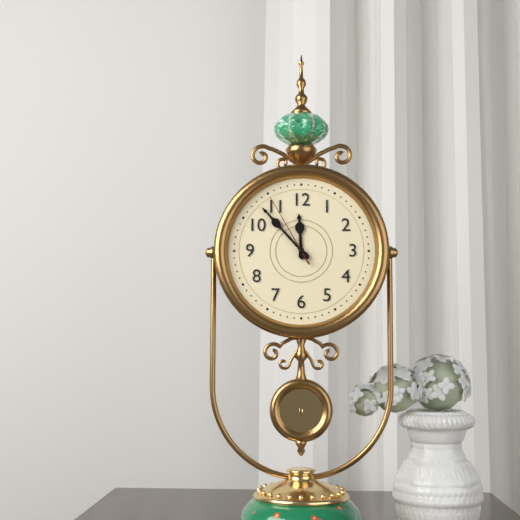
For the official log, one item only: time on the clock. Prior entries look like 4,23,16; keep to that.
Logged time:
11,53,55
